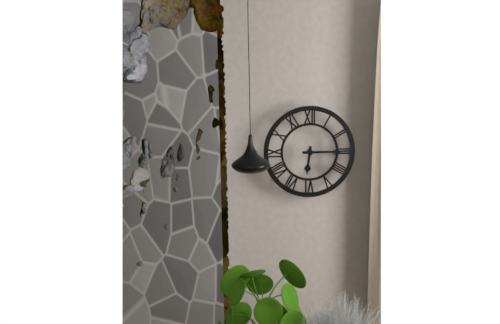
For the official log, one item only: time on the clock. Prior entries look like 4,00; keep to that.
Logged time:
6,15
